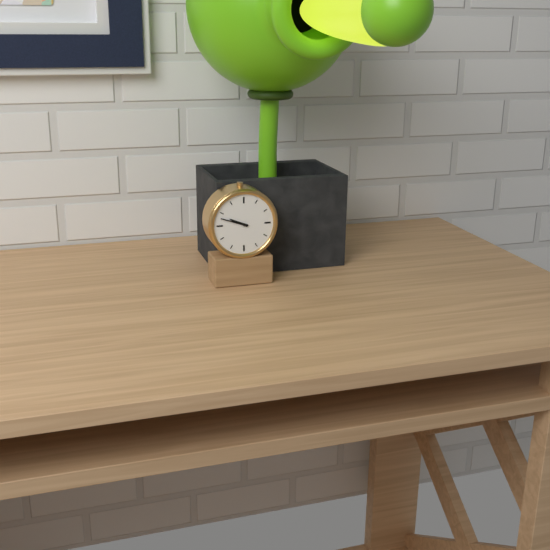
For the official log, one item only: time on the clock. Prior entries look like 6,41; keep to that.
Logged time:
9,48
